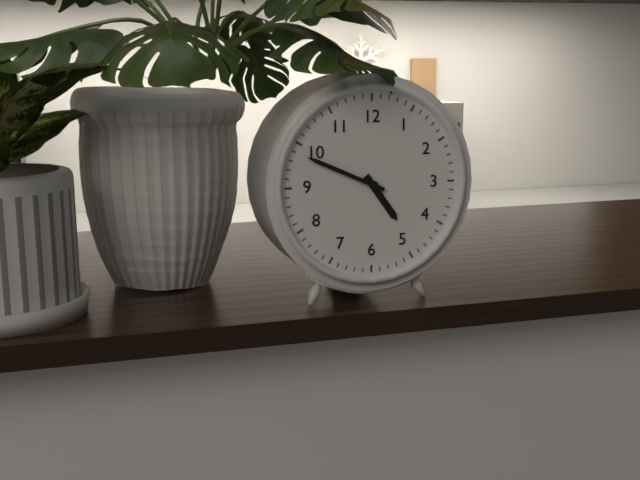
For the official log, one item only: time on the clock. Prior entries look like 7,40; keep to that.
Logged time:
4,49
